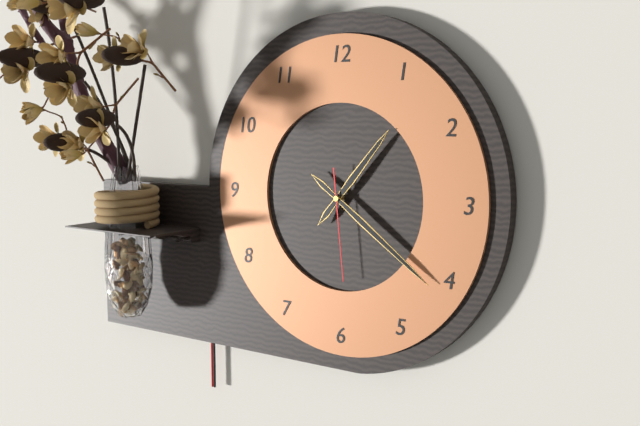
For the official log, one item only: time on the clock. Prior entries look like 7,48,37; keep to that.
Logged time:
1,21,29
